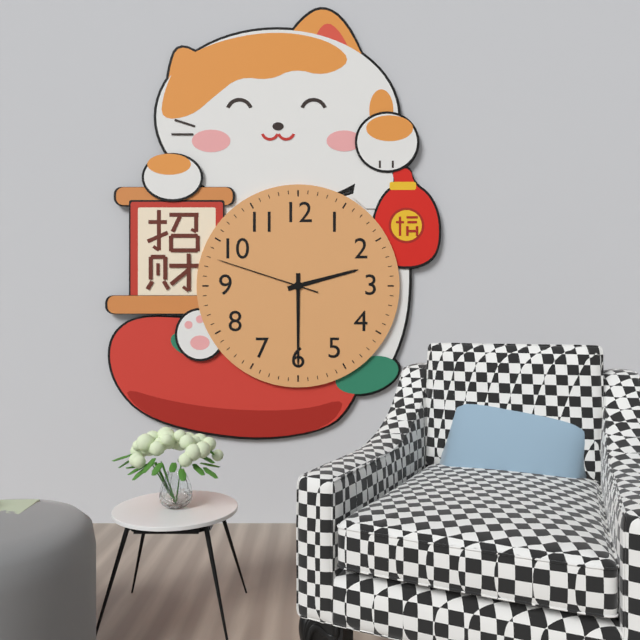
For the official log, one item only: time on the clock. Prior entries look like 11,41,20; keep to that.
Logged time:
2,30,48
